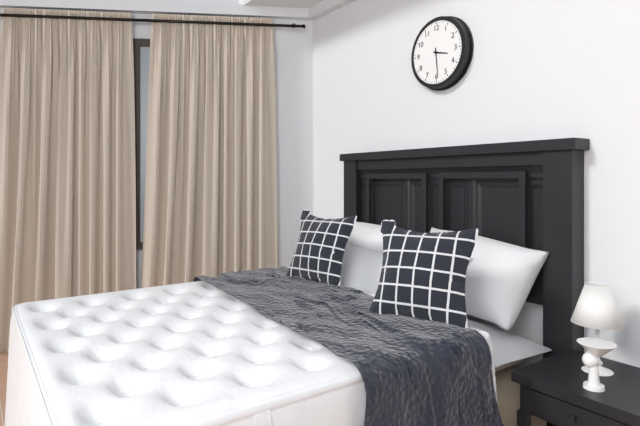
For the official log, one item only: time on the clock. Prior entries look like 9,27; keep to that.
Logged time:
3,29
